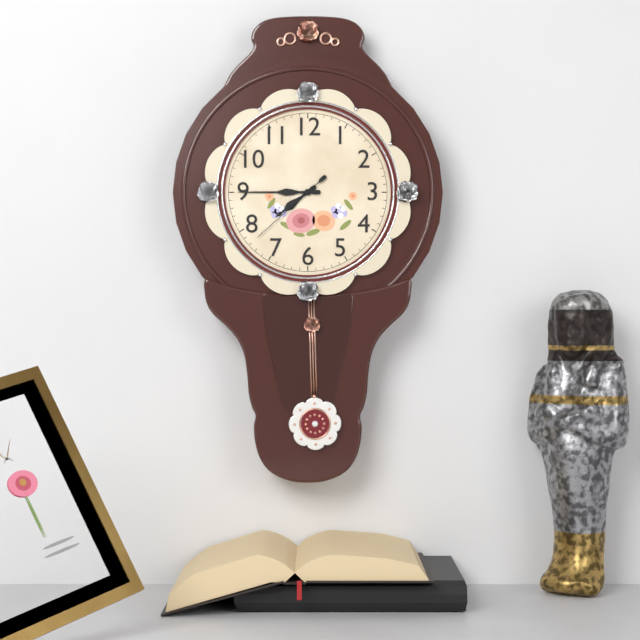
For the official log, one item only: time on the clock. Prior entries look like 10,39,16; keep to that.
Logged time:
7,45,38
